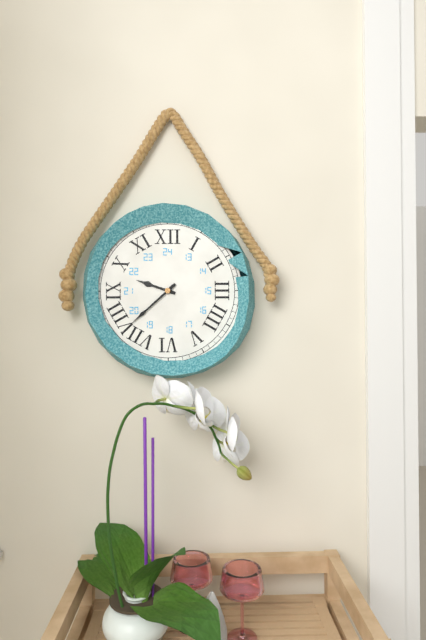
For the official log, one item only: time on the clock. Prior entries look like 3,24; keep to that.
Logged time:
9,38
